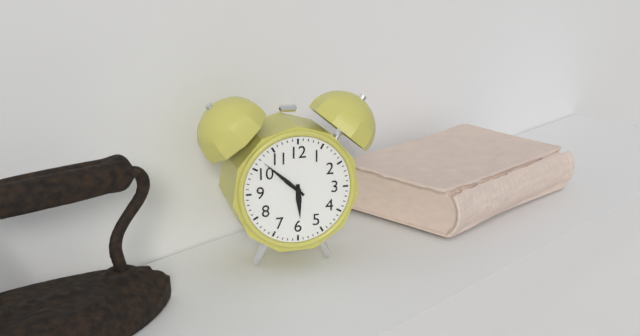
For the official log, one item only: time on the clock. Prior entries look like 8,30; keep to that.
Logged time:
5,52
